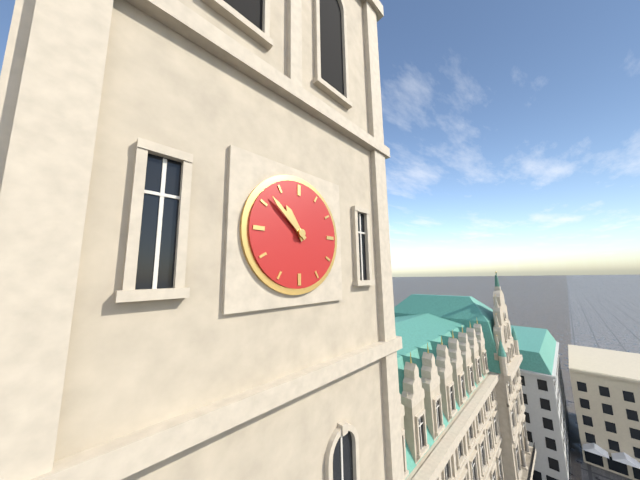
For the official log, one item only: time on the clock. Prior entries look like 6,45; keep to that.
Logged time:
10,52
